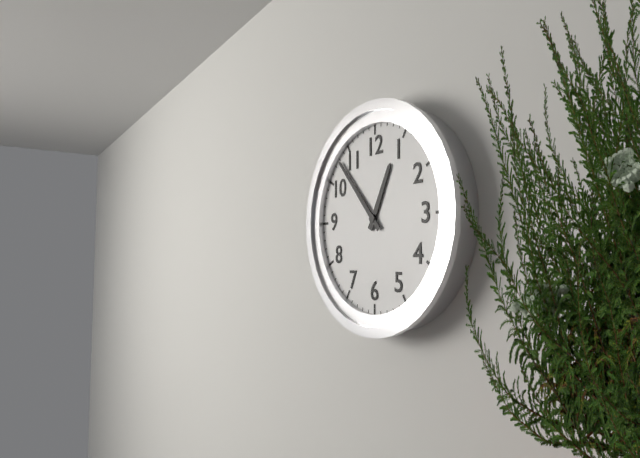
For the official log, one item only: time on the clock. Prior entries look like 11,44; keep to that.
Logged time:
12,53
